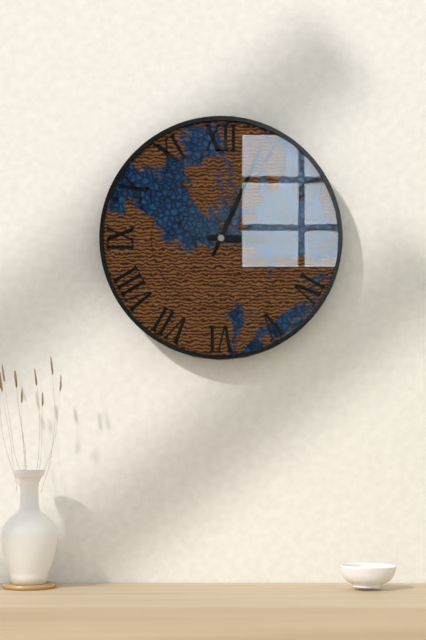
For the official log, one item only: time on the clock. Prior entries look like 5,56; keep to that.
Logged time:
3,04
